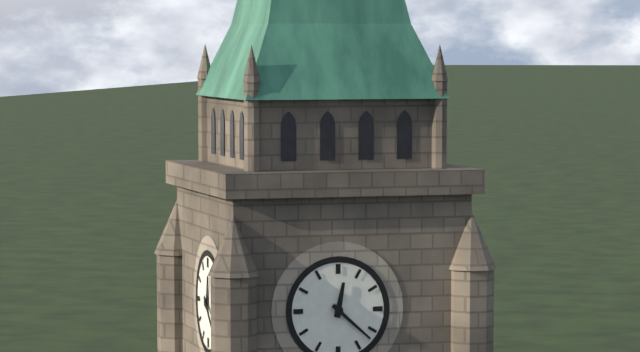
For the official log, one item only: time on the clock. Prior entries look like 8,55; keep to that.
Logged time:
12,22
